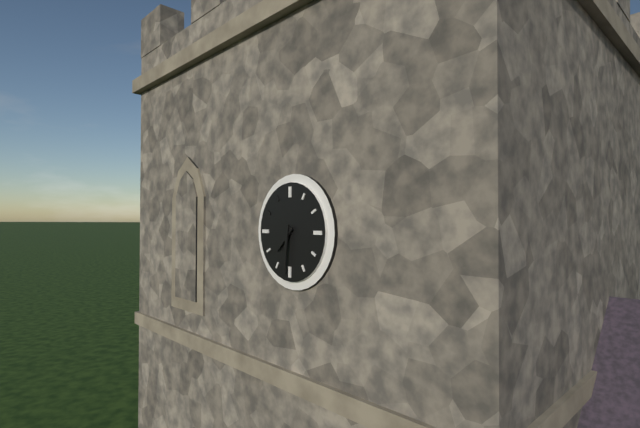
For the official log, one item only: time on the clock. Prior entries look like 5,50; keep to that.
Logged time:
7,31
